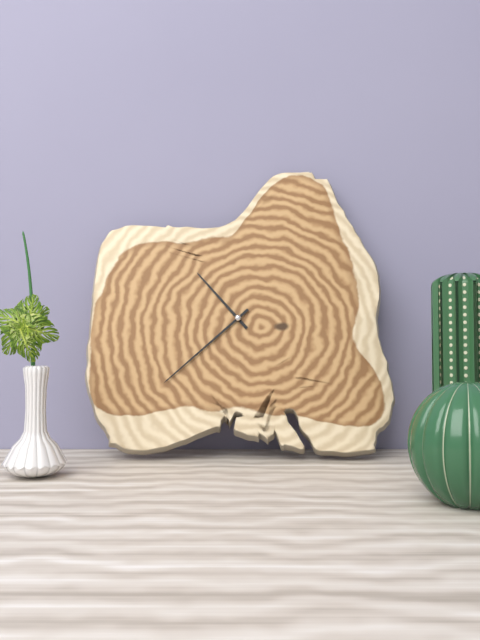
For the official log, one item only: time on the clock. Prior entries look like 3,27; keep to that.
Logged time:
10,38
